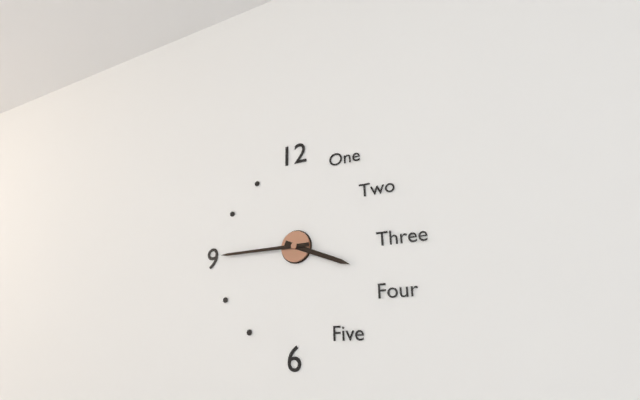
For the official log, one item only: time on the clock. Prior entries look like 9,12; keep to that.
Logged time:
3,45
